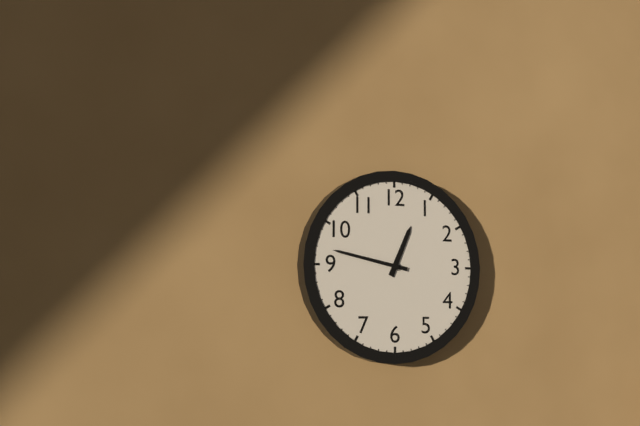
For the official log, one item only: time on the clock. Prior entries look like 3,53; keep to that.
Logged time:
12,47
